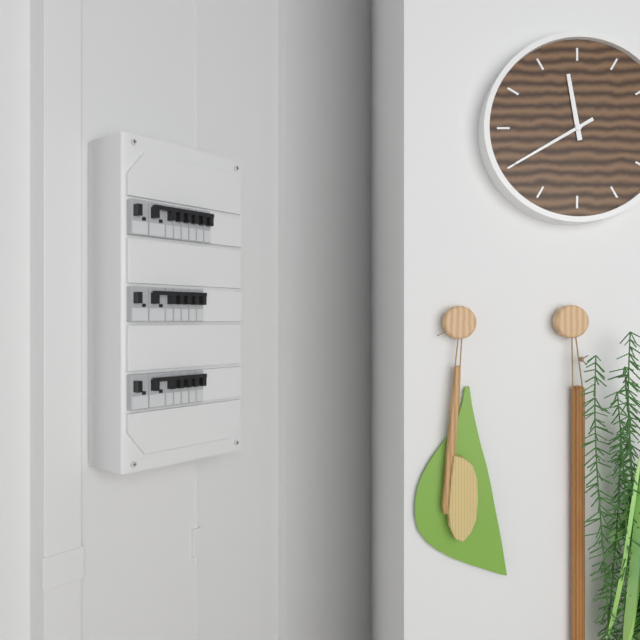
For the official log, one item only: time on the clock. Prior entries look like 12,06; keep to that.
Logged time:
11,40
